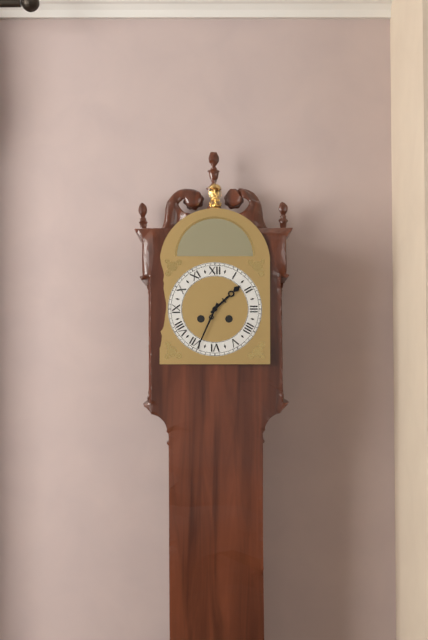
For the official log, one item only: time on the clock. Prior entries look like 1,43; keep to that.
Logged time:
1,34
